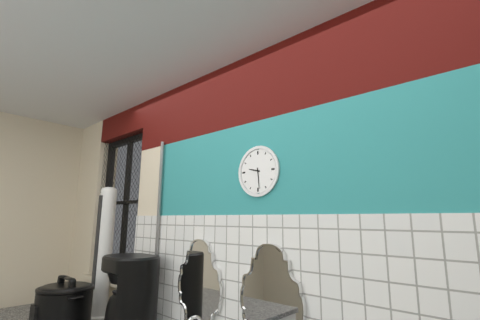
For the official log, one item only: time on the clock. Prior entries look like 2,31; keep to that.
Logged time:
9,29
